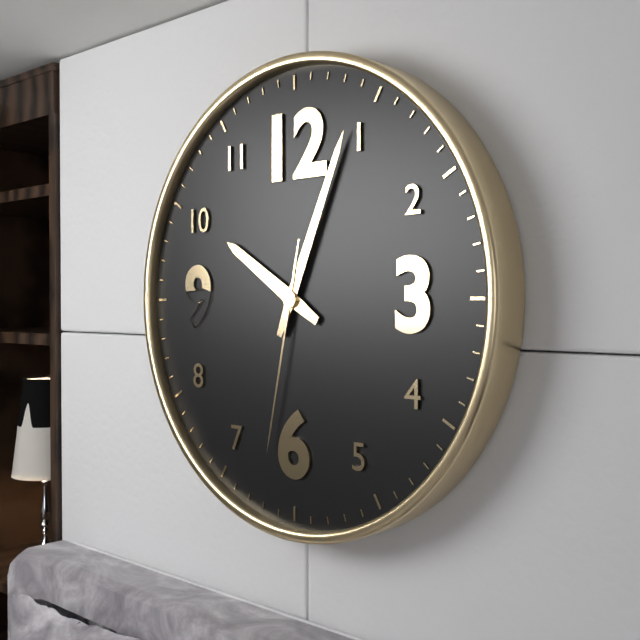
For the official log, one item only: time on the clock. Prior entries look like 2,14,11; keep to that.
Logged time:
10,04,32
